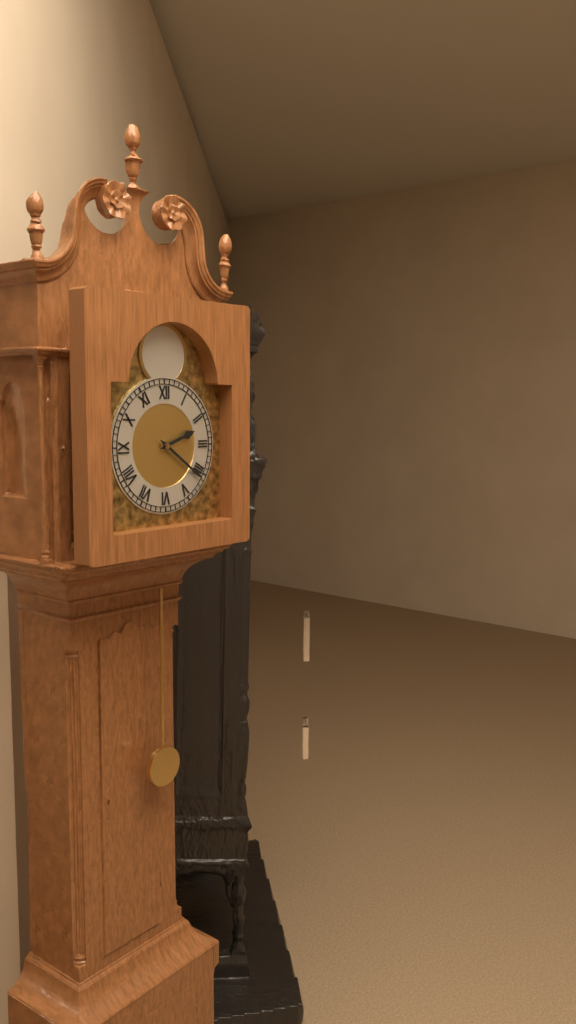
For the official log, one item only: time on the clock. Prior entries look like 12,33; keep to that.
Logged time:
2,21
